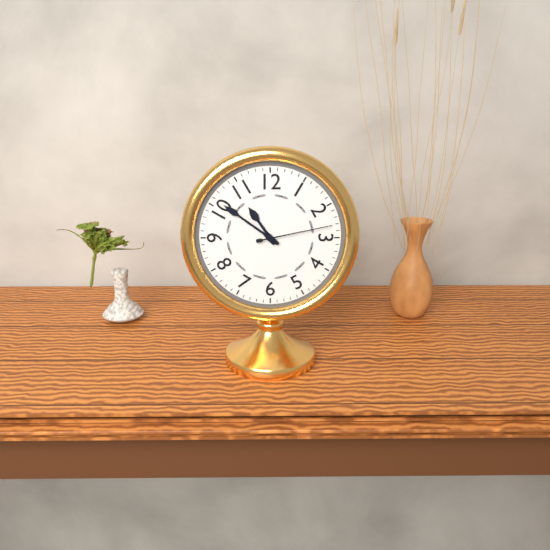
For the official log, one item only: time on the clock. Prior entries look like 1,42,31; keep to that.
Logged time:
10,51,13
